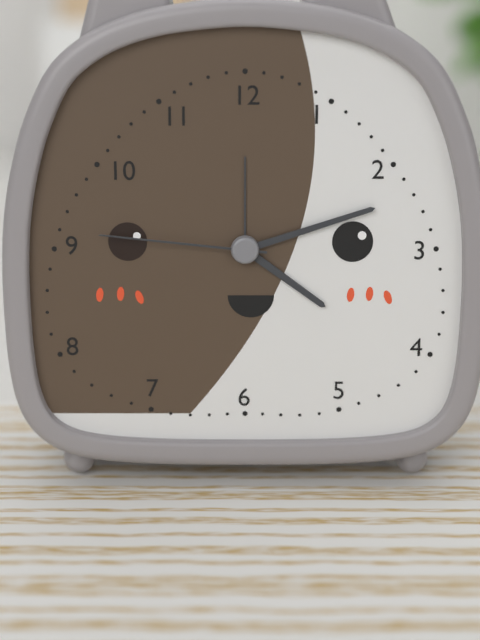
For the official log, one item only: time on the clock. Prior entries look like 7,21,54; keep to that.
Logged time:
4,12,46
